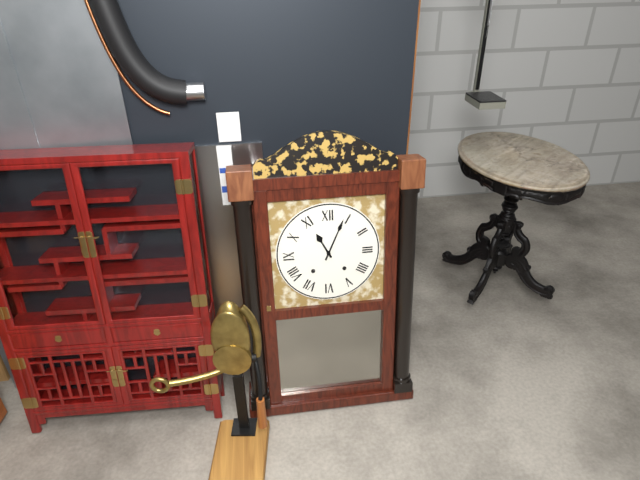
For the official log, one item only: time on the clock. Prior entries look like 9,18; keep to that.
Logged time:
11,04
